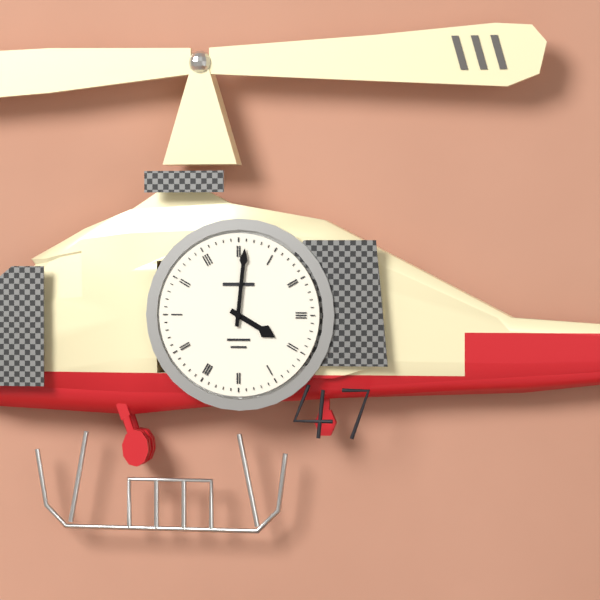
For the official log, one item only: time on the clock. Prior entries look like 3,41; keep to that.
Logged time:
4,01
